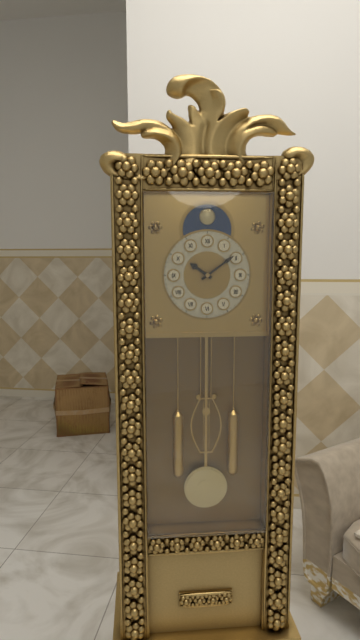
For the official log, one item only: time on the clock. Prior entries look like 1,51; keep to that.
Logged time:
10,09
